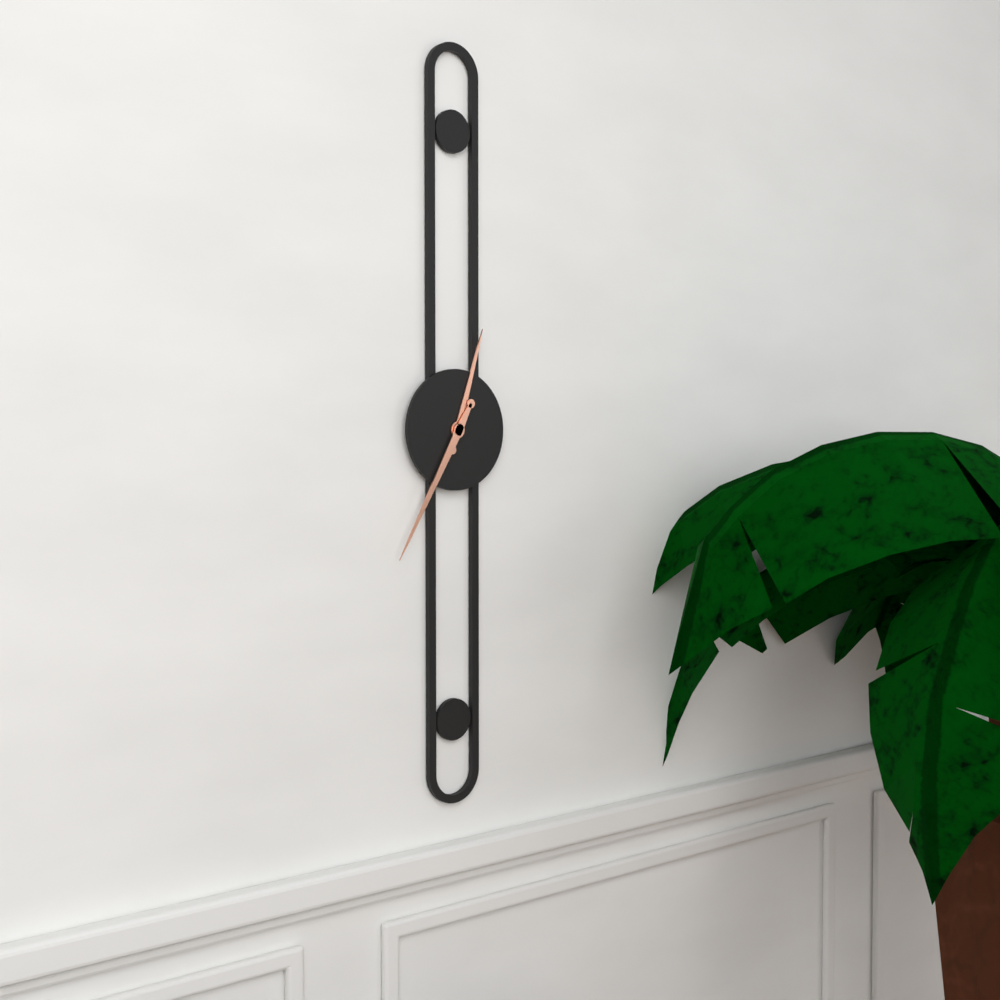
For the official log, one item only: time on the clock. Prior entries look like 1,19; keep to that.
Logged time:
12,35
